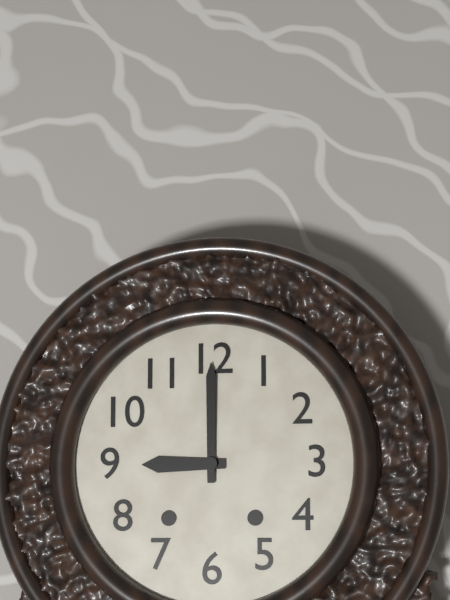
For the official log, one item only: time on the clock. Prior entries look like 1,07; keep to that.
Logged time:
9,00
